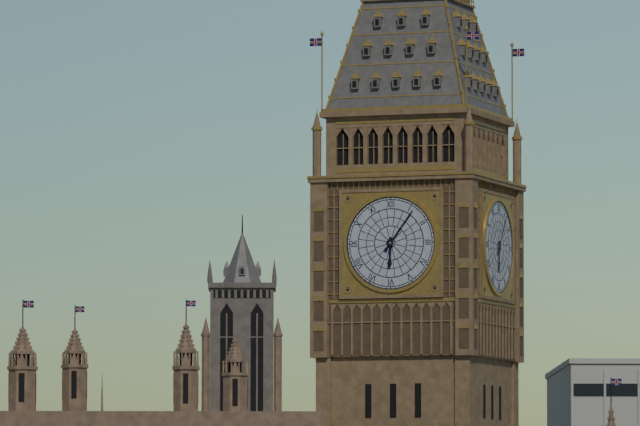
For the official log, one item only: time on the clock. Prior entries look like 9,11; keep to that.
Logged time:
6,06
